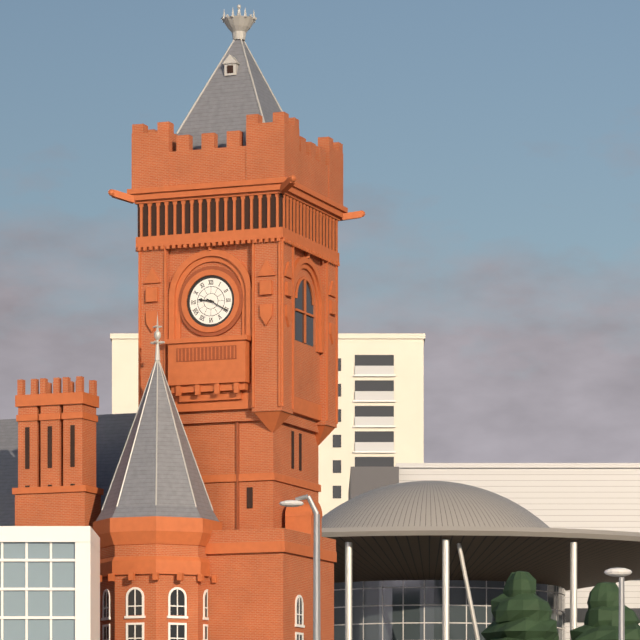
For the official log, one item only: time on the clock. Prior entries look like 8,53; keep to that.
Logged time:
9,20
